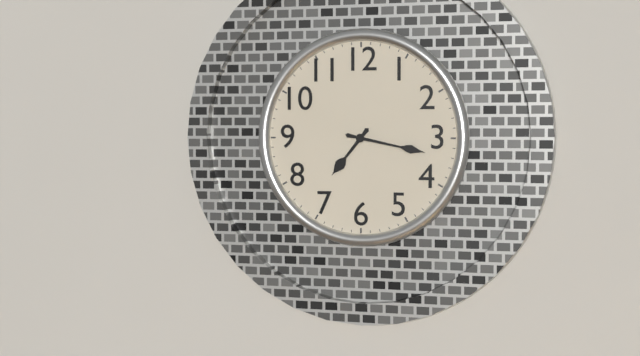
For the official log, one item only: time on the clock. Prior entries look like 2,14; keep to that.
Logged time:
7,17
